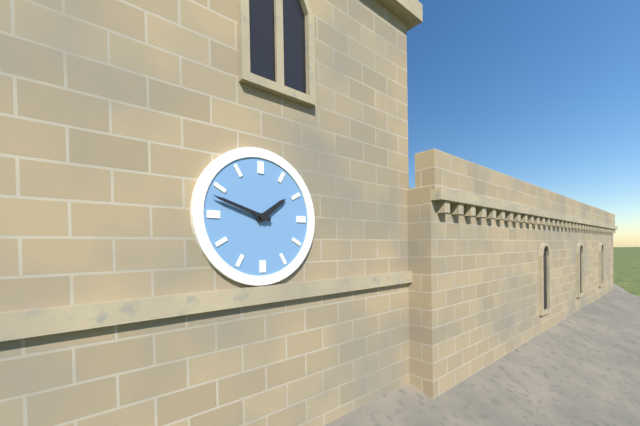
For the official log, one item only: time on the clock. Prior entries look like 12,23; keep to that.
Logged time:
1,48
